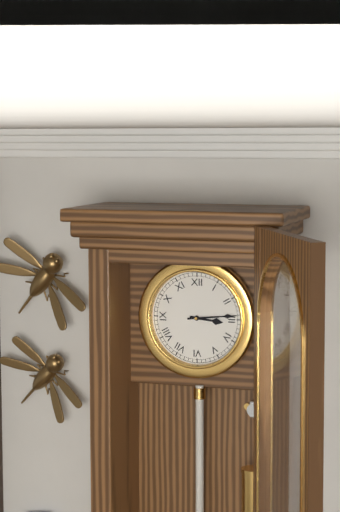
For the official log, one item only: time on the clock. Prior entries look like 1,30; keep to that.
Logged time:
3,14
